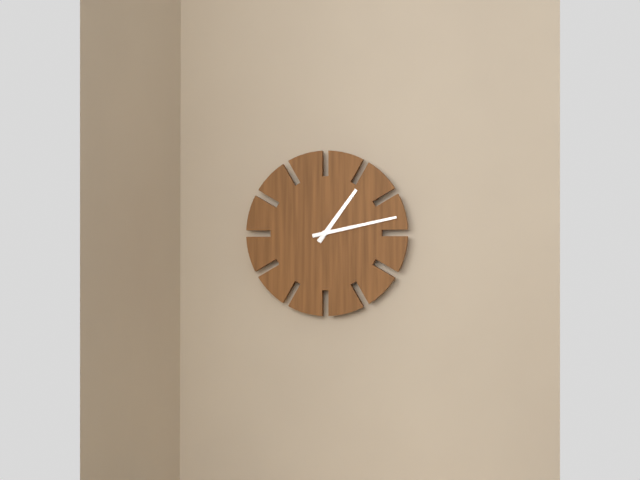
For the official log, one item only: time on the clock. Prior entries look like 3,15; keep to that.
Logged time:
1,13
